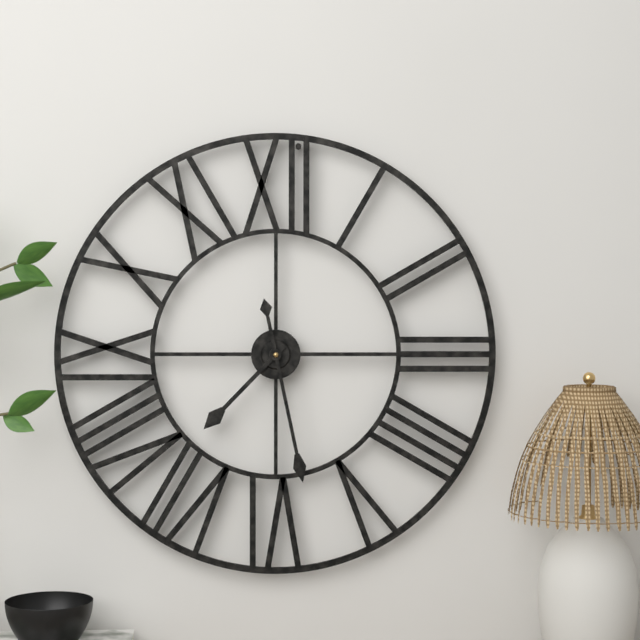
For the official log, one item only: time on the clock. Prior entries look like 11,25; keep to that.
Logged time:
7,28
